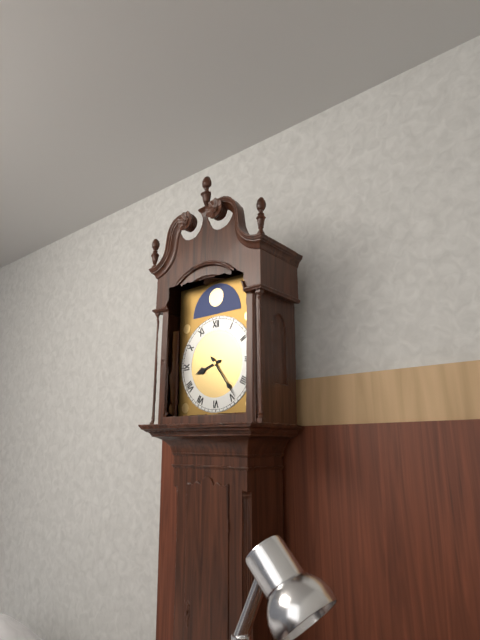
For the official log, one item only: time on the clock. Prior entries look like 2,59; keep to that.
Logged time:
8,24
